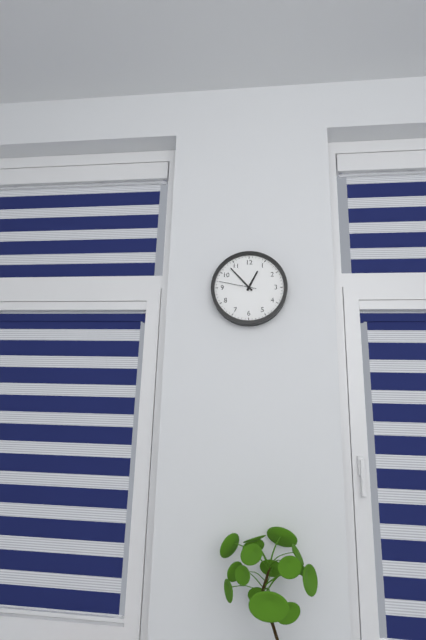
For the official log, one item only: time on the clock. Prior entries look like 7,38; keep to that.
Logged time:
12,53
